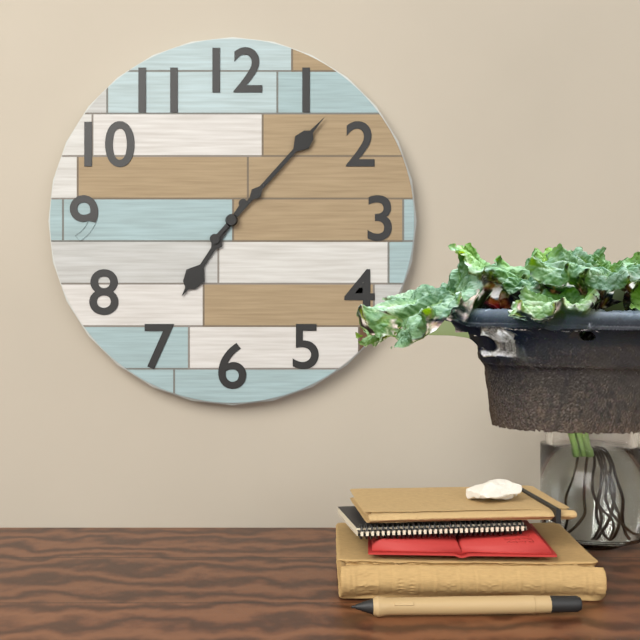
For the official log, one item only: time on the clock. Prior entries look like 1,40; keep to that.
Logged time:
7,07
